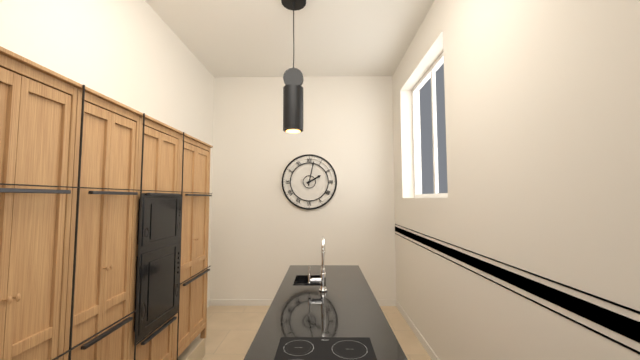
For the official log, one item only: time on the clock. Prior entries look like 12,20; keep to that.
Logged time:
2,02
